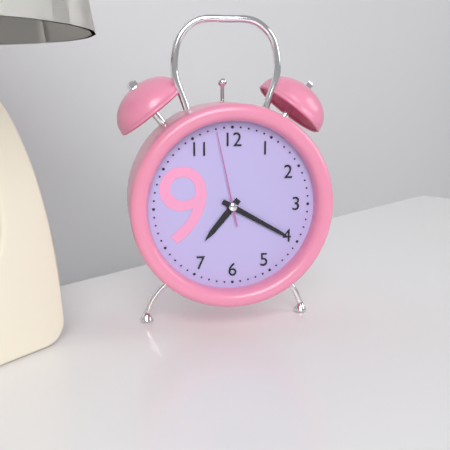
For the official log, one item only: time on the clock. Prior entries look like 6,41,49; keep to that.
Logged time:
7,20,58
